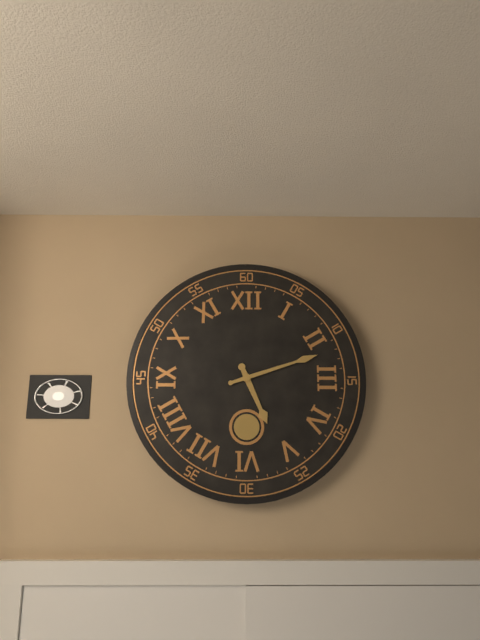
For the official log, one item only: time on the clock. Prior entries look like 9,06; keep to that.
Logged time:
5,12
